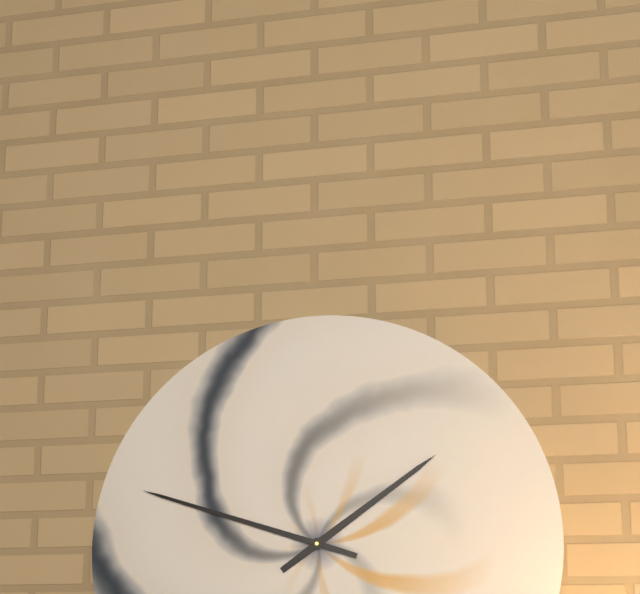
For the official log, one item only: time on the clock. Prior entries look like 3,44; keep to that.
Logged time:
1,48
